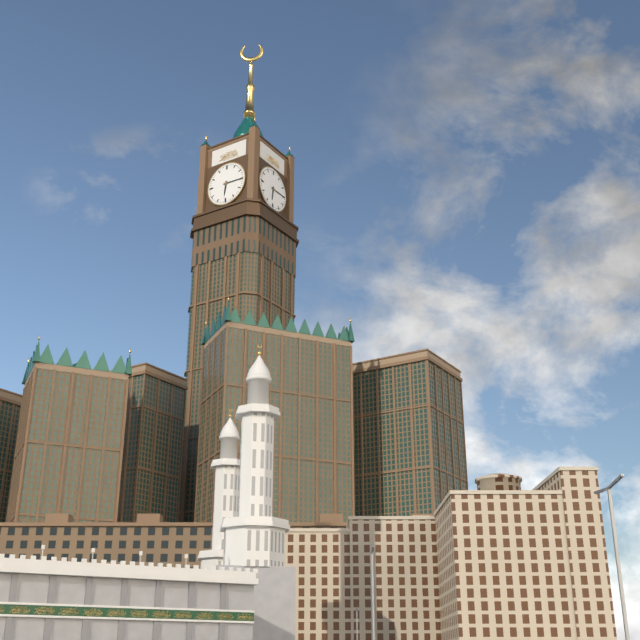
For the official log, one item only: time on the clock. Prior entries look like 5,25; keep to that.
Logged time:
6,15
